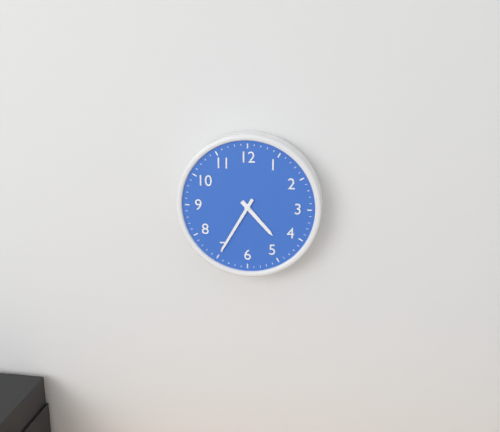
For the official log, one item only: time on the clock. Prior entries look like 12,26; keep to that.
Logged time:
4,35
